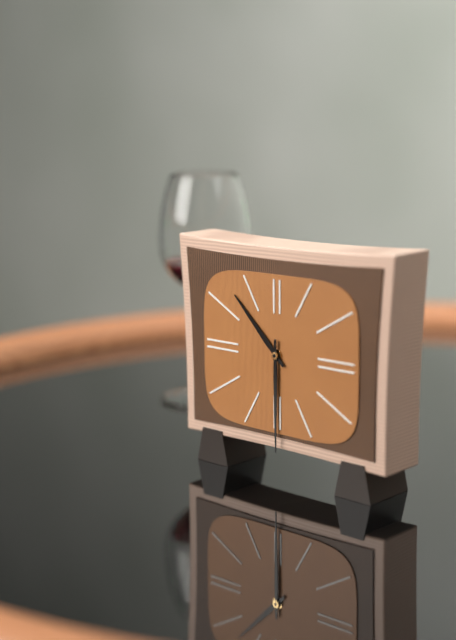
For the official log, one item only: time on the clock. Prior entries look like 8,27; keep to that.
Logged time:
10,30
